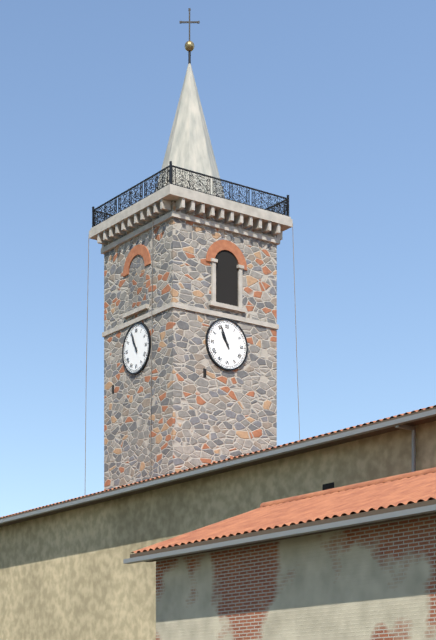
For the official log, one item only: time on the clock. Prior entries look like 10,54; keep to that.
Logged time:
10,56
